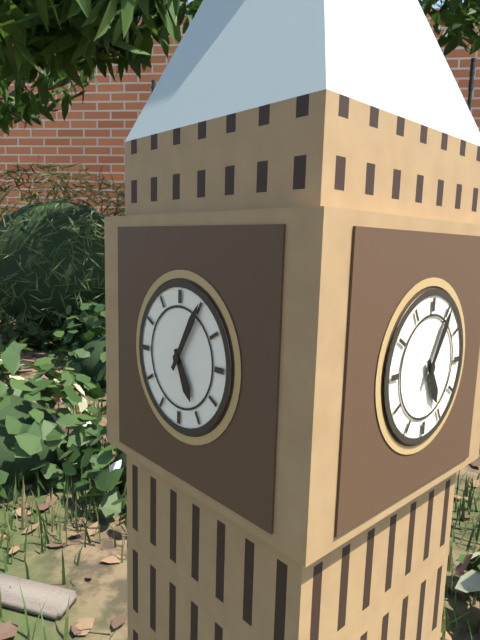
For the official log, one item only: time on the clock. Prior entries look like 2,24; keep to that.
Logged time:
5,05
